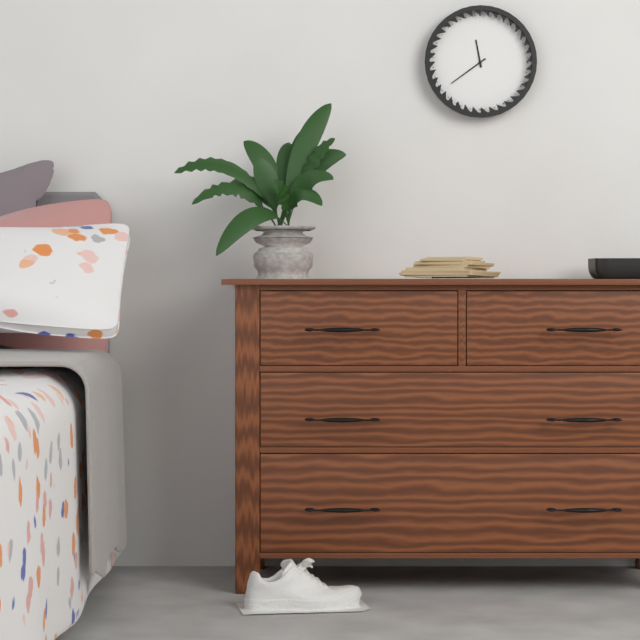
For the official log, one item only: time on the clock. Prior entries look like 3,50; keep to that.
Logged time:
11,39
